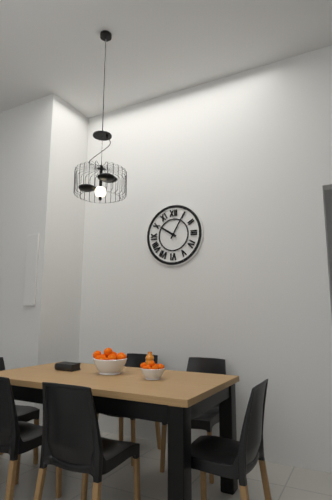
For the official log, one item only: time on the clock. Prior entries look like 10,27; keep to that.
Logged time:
10,05
